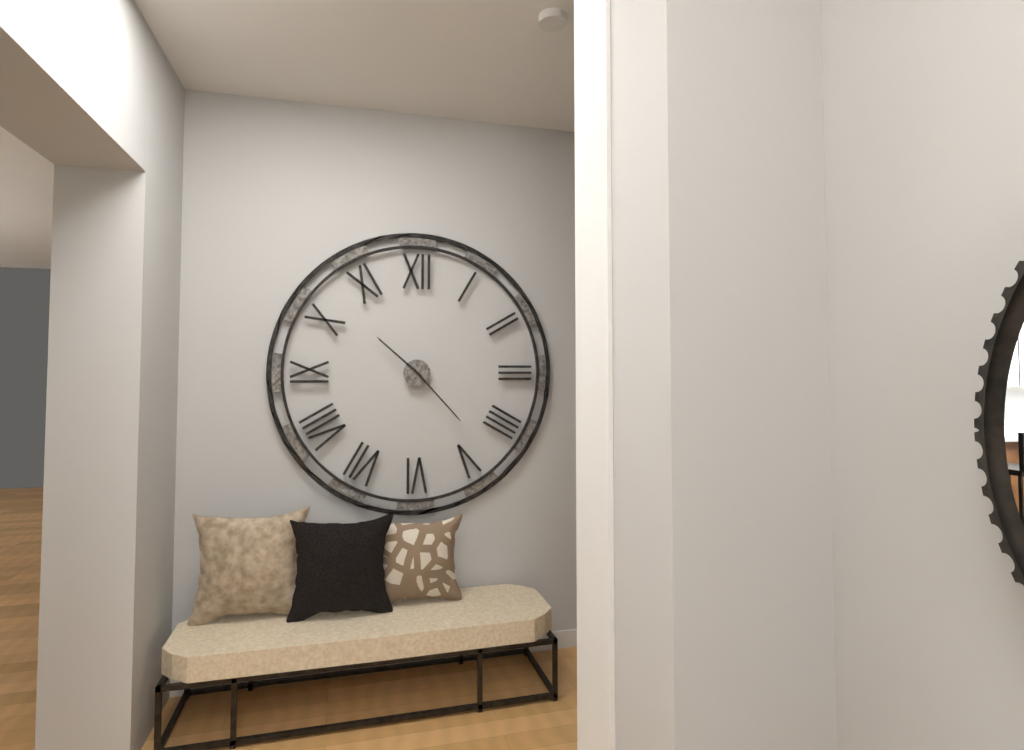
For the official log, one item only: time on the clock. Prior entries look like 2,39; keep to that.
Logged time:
10,23
